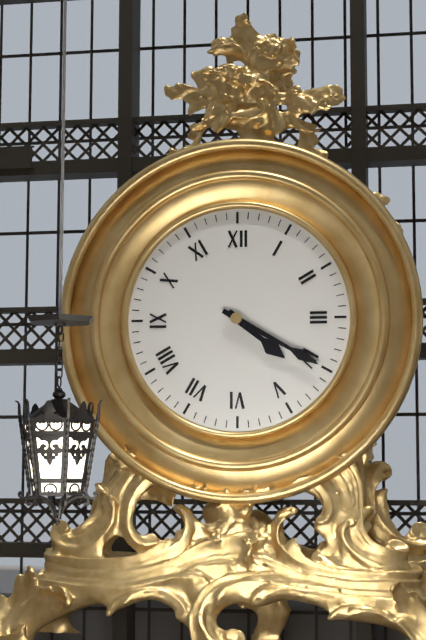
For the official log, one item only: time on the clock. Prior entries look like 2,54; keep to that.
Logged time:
4,20
